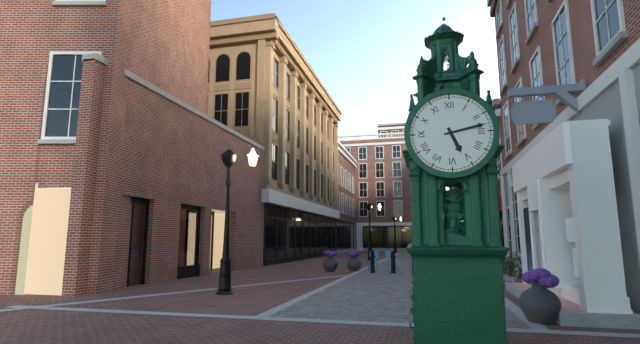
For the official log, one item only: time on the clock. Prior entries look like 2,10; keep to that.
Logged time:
5,13
